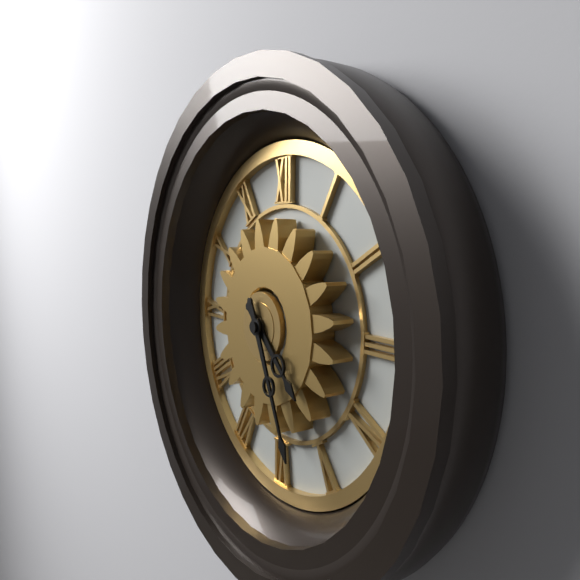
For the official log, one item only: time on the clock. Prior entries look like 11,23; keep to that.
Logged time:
4,26
